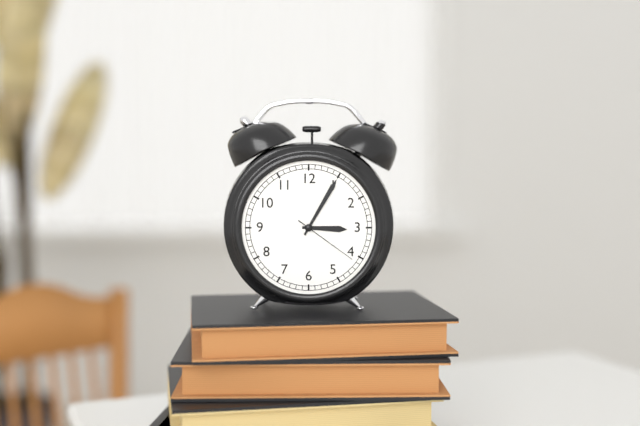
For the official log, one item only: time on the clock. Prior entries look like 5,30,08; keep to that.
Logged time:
3,05,21
